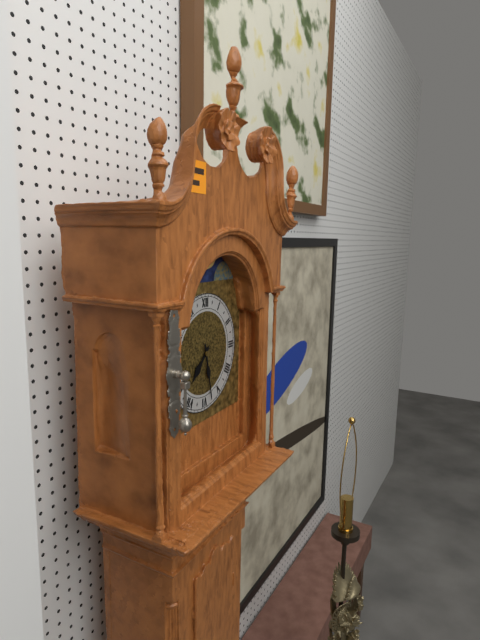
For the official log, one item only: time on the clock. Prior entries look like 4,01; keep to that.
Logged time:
7,28
